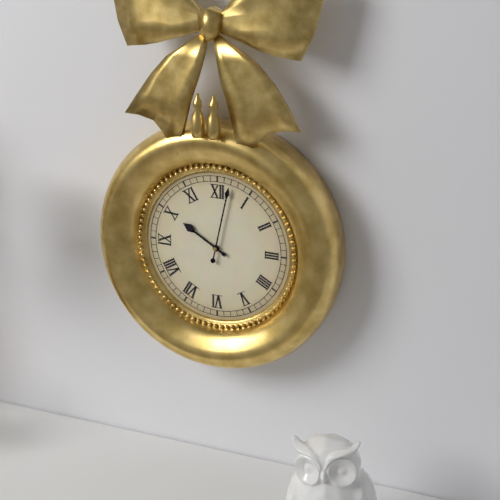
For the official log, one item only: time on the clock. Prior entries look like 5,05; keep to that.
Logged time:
10,02
